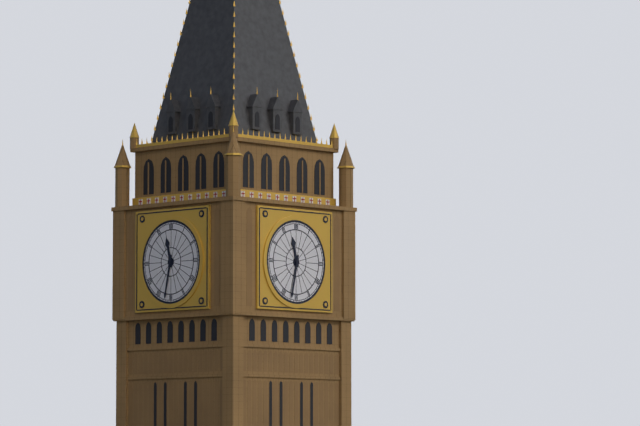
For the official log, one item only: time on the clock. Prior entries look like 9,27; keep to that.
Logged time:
11,32
